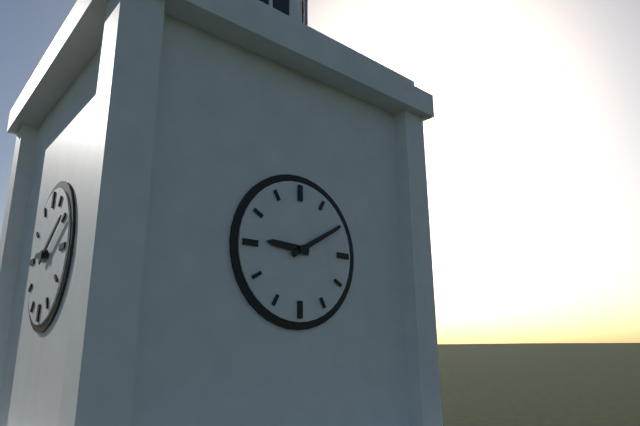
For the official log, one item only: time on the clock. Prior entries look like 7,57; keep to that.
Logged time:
9,10
